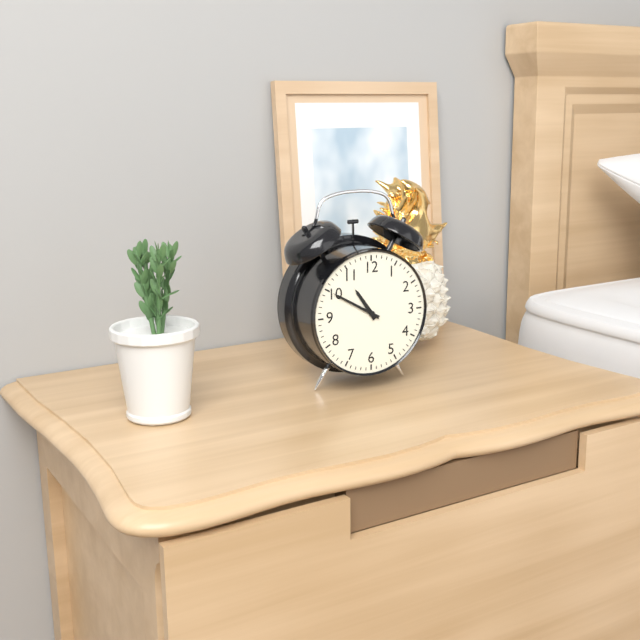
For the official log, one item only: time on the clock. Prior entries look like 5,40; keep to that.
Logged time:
10,50
